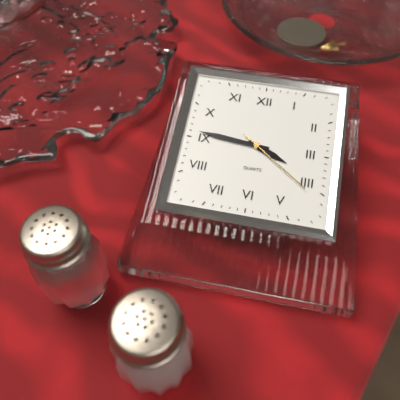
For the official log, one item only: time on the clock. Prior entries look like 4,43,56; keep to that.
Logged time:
3,46,21
